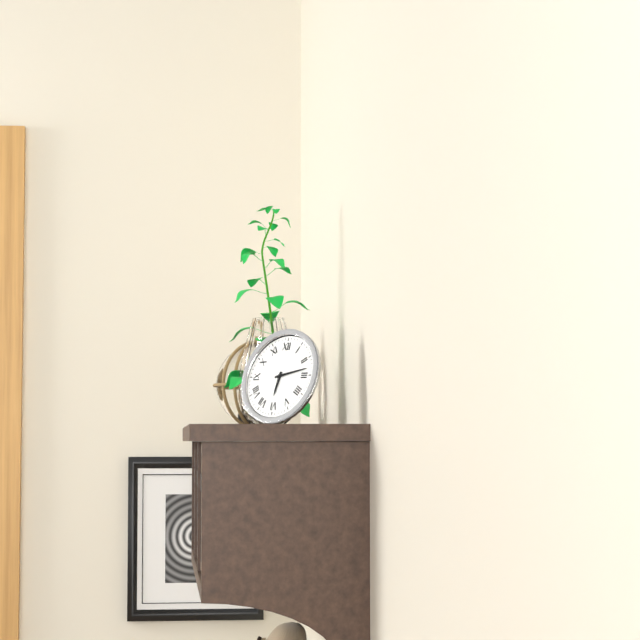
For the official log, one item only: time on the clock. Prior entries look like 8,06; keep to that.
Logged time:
6,13
